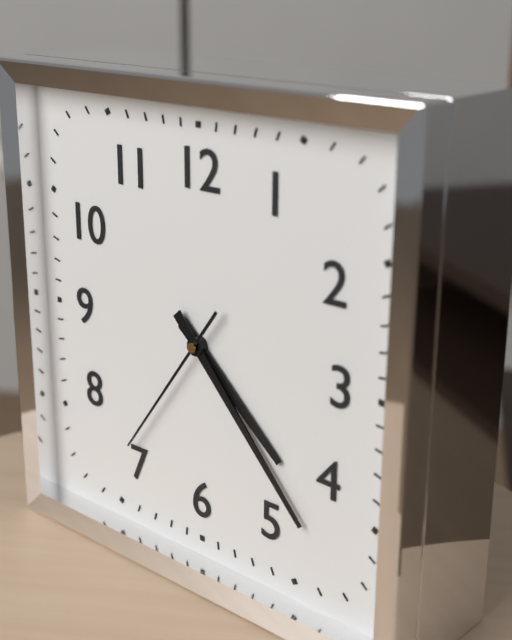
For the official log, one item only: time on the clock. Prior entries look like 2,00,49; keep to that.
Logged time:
4,23,36
